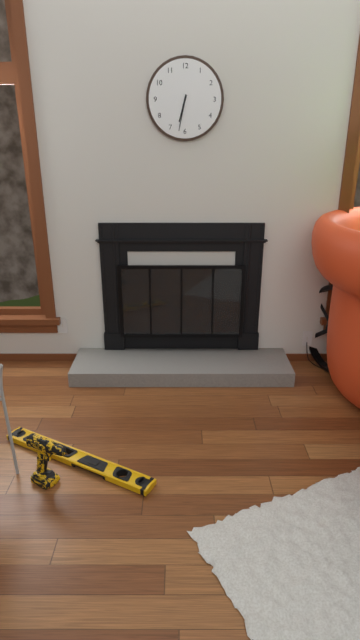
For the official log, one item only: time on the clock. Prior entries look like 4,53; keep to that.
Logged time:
6,32
